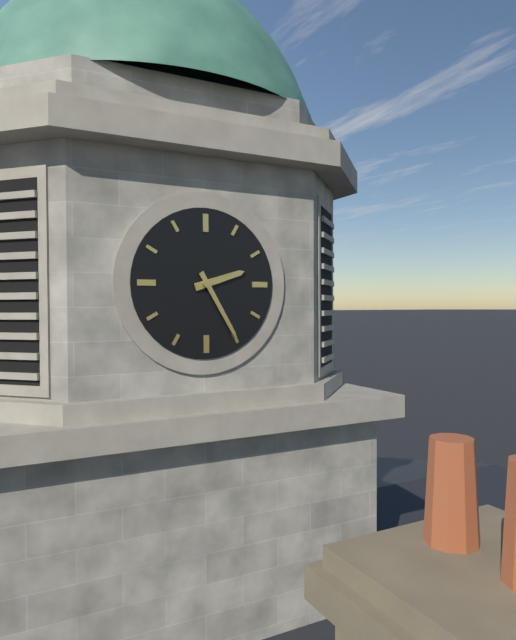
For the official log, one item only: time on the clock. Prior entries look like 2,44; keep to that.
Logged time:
2,25
